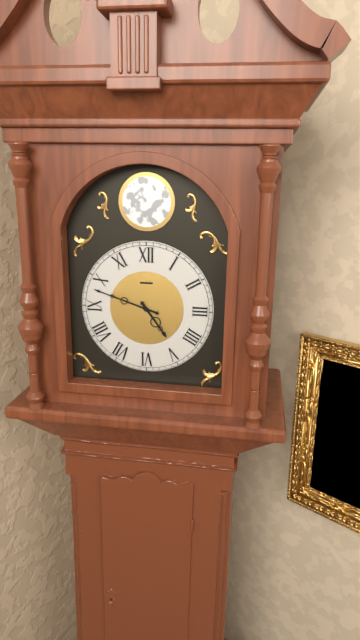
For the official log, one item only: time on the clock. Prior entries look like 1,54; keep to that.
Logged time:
4,48
